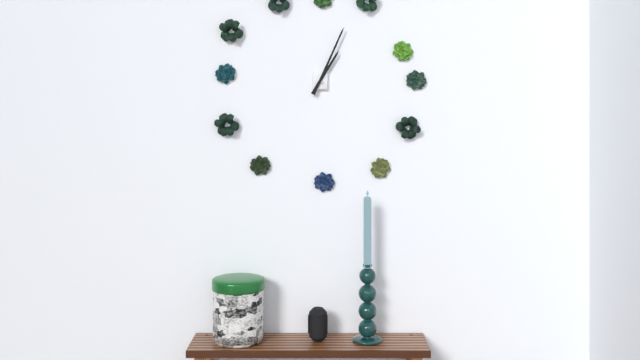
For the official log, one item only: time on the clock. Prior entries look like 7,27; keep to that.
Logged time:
1,04
